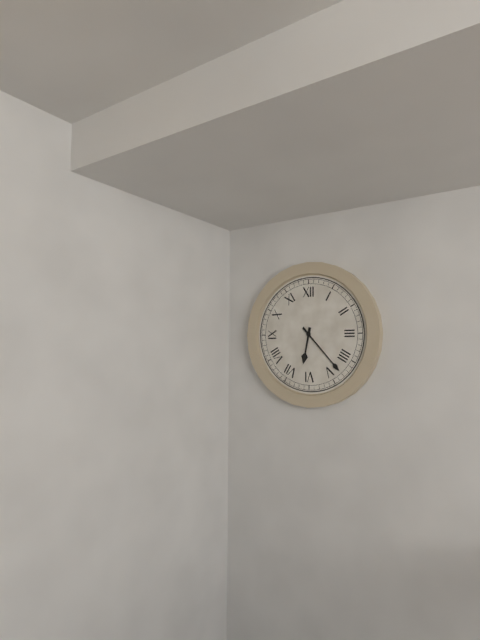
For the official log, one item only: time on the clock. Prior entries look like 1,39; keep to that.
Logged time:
6,23
